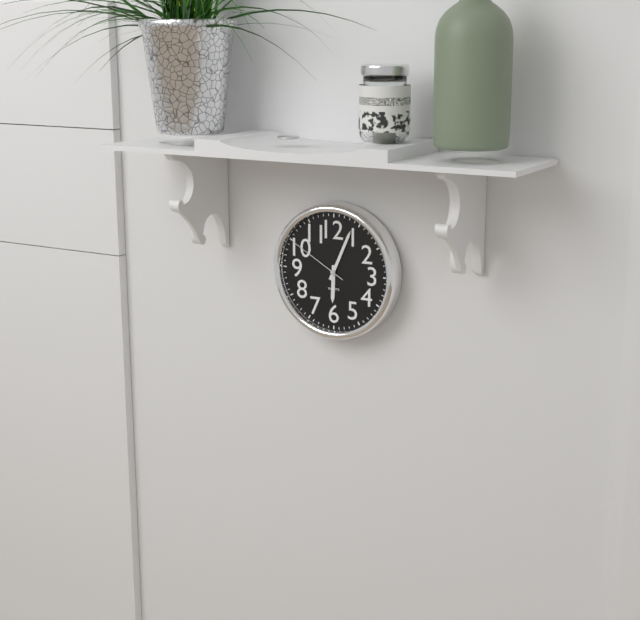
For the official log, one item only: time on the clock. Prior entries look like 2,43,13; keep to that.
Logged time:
6,04,50
